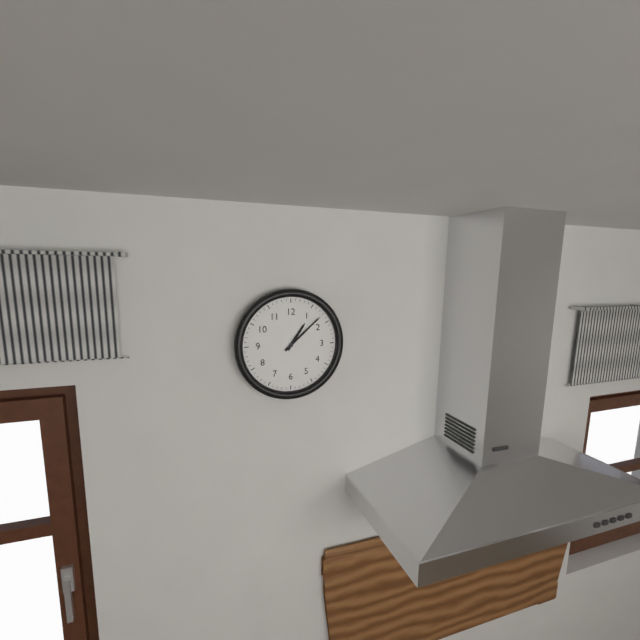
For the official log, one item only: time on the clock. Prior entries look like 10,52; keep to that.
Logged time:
1,08
